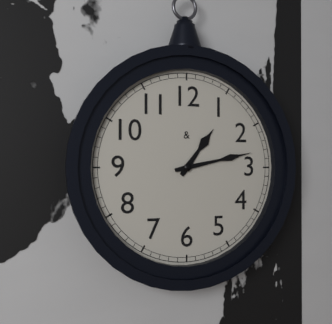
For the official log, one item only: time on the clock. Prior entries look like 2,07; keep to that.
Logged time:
1,13
